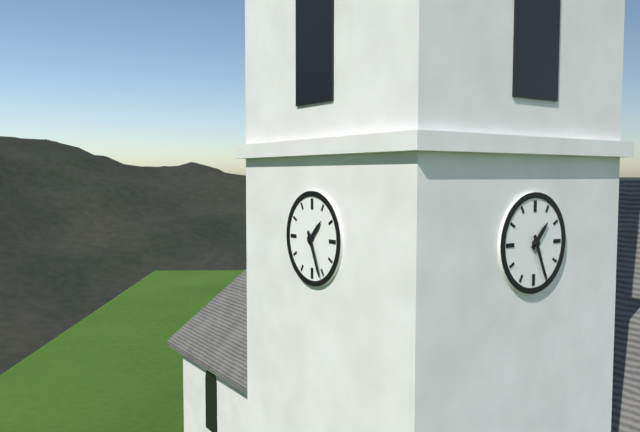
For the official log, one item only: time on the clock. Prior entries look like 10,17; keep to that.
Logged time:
1,26
